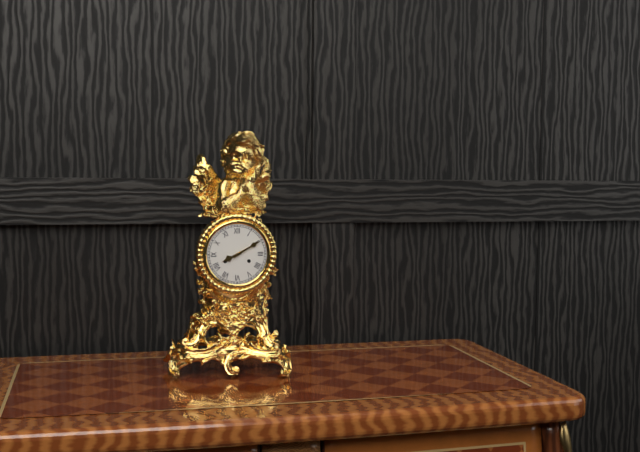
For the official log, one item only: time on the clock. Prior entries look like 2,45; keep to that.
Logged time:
8,10
